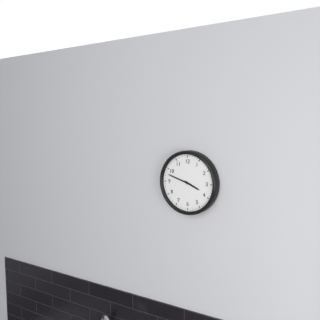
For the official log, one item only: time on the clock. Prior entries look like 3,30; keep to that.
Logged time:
3,48
